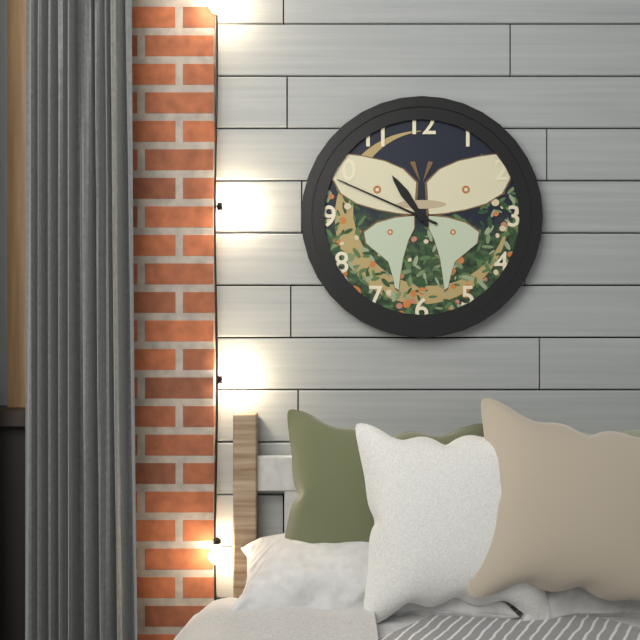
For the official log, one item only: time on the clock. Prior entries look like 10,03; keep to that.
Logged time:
10,49
